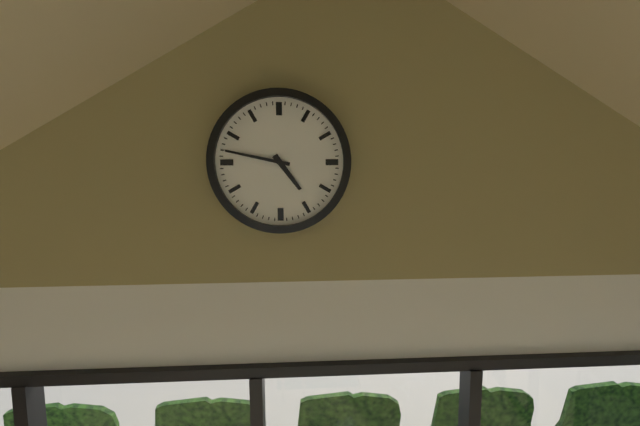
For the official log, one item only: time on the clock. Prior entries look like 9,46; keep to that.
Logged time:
4,47
